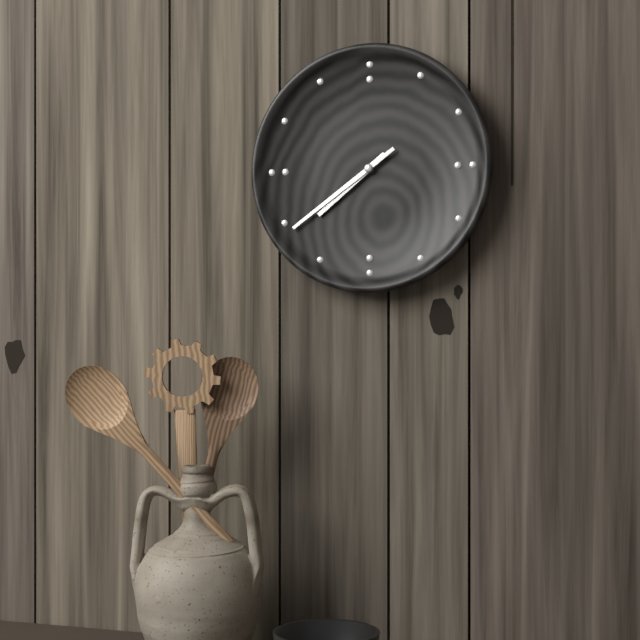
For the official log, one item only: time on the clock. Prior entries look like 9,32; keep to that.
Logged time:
7,39
